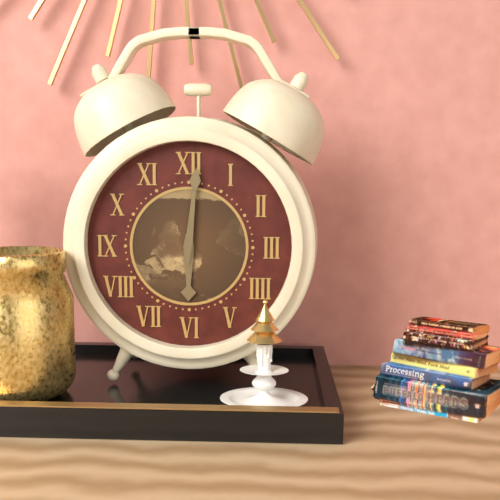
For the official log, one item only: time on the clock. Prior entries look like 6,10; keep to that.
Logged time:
6,01
